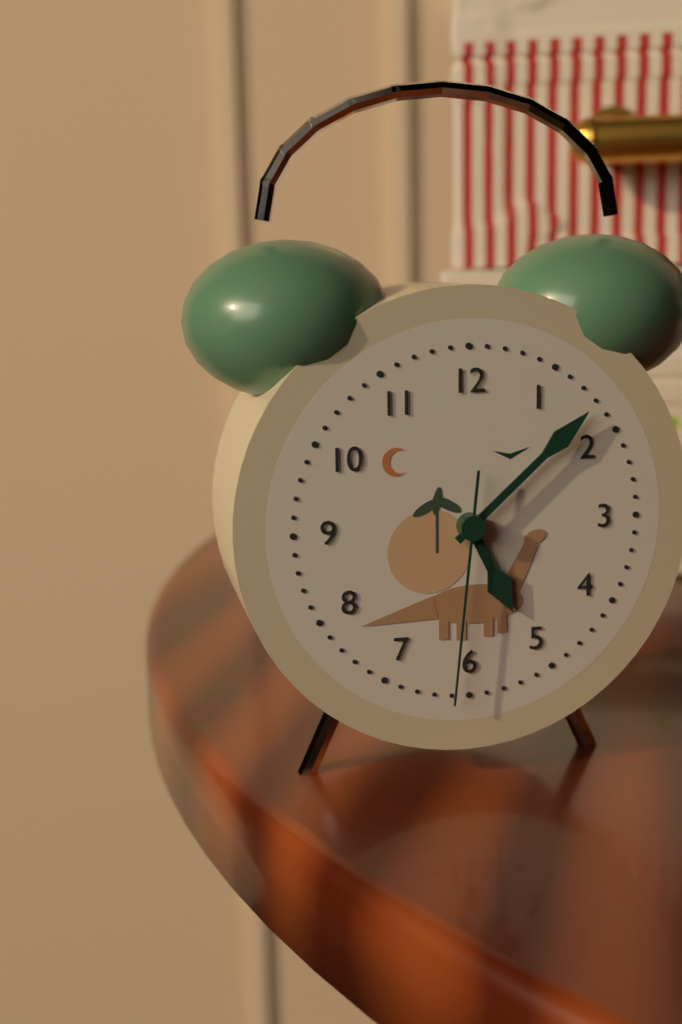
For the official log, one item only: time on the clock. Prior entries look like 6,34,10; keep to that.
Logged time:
5,08,31
